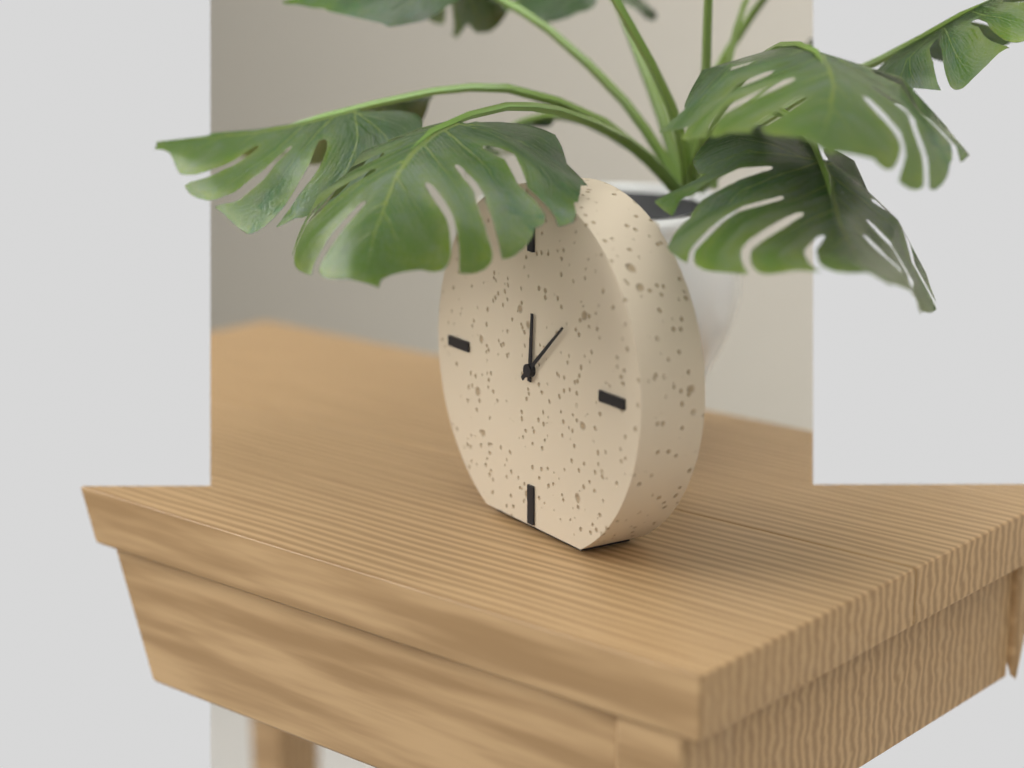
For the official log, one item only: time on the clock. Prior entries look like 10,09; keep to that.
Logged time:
12,08
